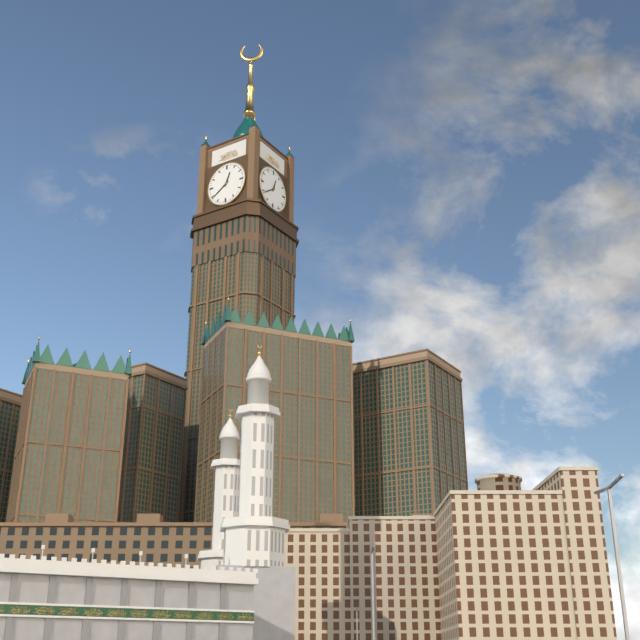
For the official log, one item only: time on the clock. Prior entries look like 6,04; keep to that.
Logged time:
12,39
